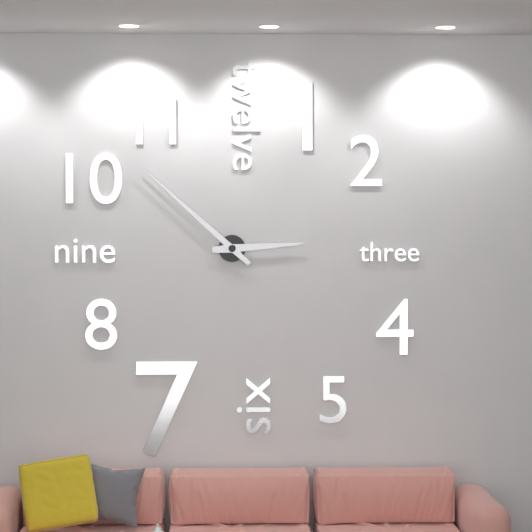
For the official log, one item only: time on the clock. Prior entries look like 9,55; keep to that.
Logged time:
2,52
